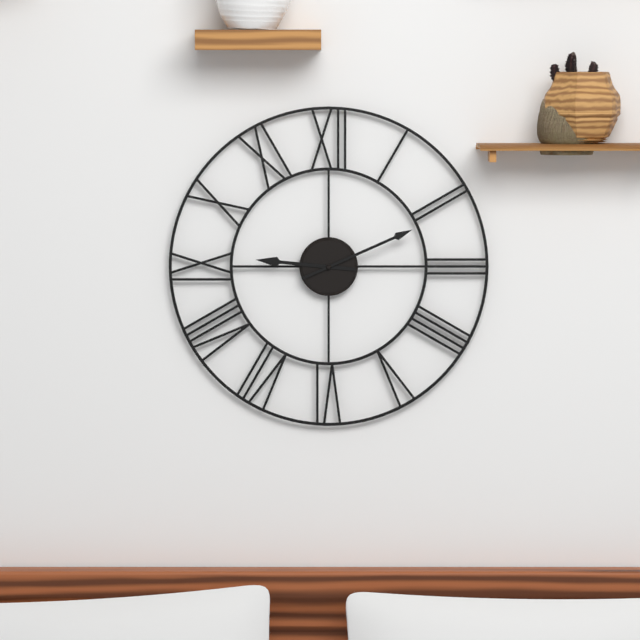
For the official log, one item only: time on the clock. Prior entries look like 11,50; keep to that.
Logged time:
9,11
